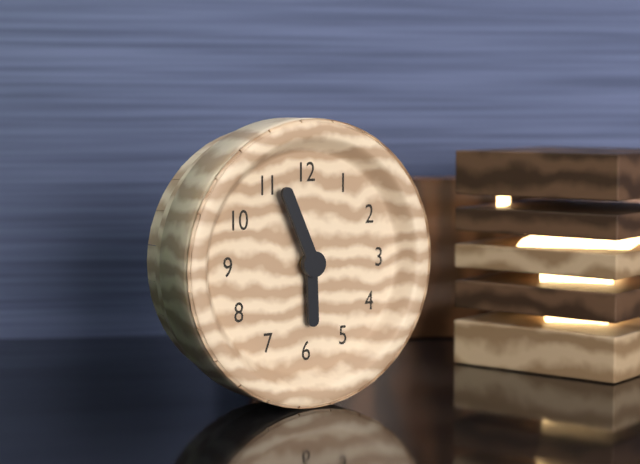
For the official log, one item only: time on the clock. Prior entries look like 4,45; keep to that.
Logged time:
5,56
